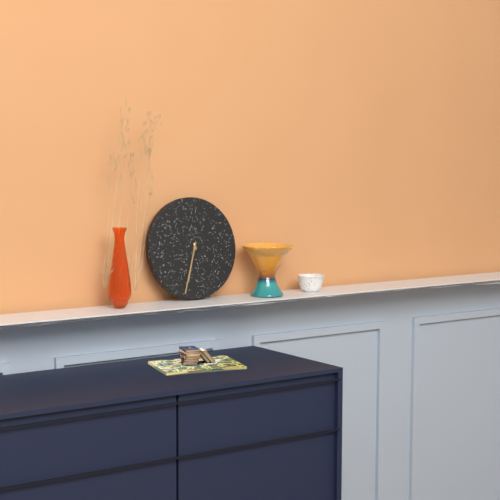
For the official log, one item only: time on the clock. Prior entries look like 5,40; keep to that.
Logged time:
6,33
